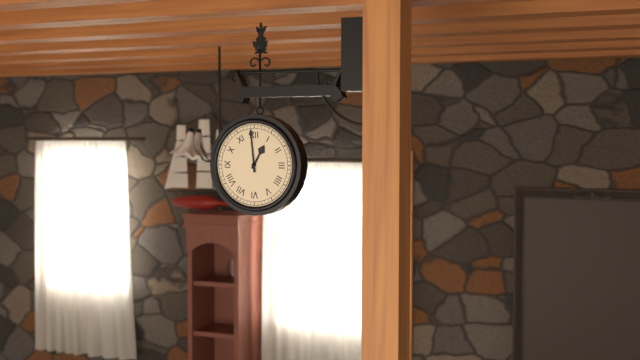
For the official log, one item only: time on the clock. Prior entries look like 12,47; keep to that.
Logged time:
12,59
